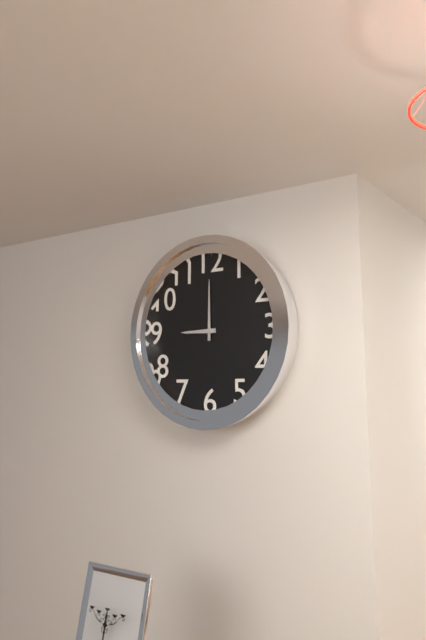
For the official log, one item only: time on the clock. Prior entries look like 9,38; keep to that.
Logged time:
9,00
